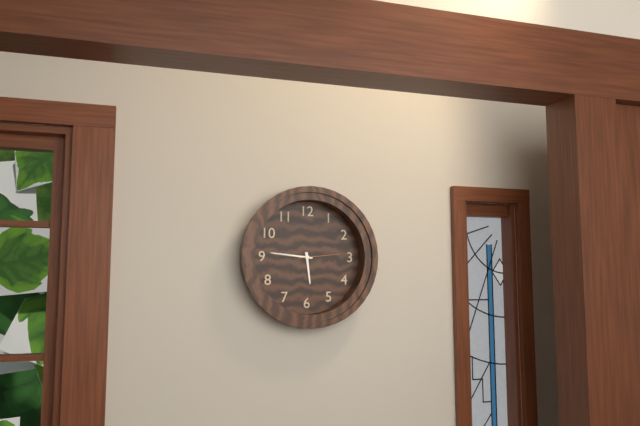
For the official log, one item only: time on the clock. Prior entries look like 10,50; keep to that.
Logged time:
5,46
